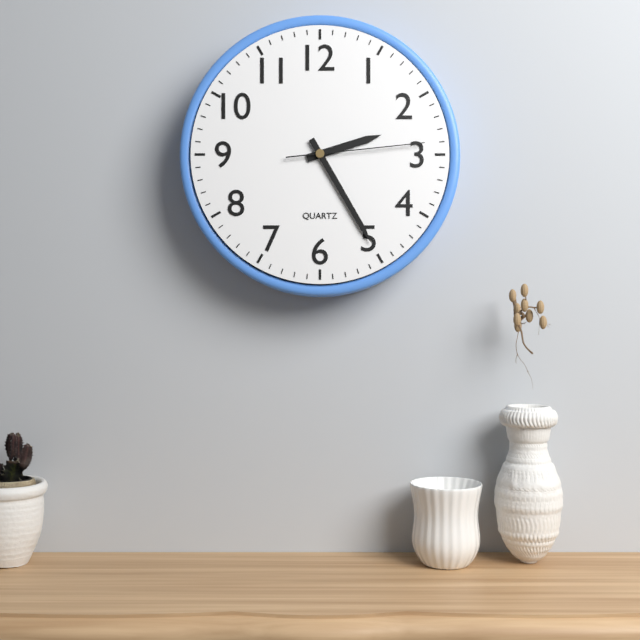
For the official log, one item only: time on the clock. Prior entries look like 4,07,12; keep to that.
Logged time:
2,25,14
